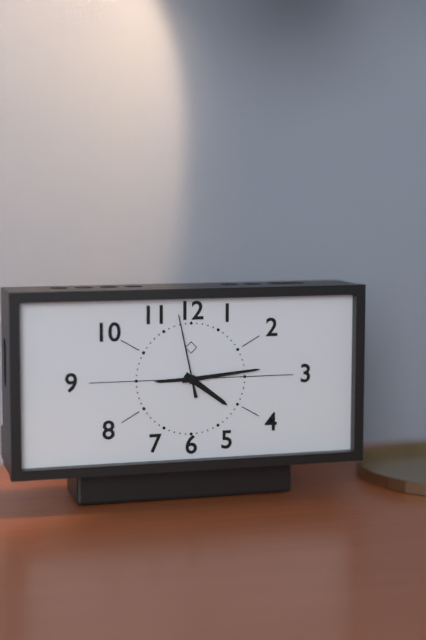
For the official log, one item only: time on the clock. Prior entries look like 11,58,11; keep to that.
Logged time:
4,14,58
